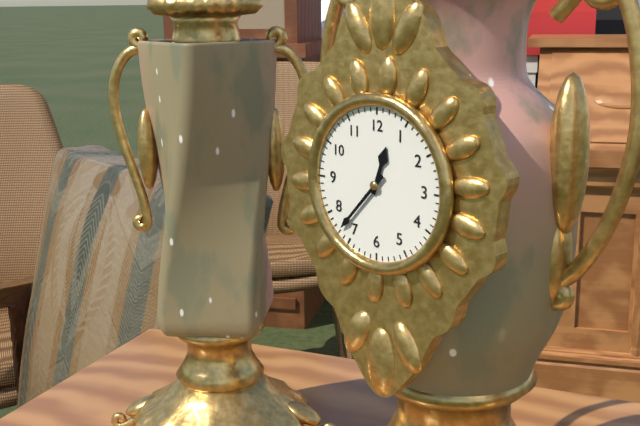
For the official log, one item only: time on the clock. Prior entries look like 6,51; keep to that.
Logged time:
12,37
